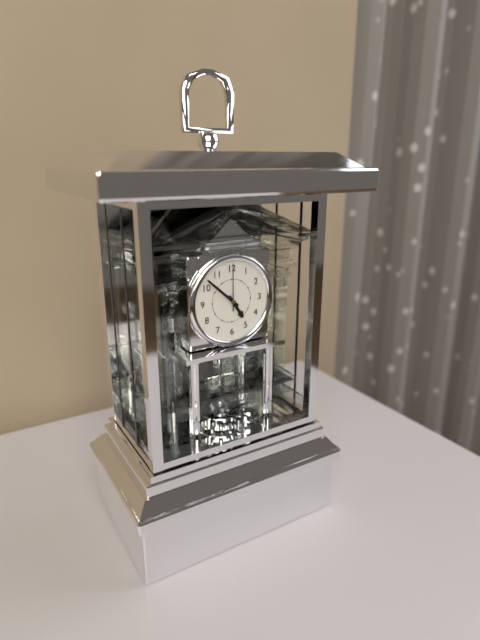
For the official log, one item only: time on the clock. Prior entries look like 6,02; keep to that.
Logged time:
4,52
